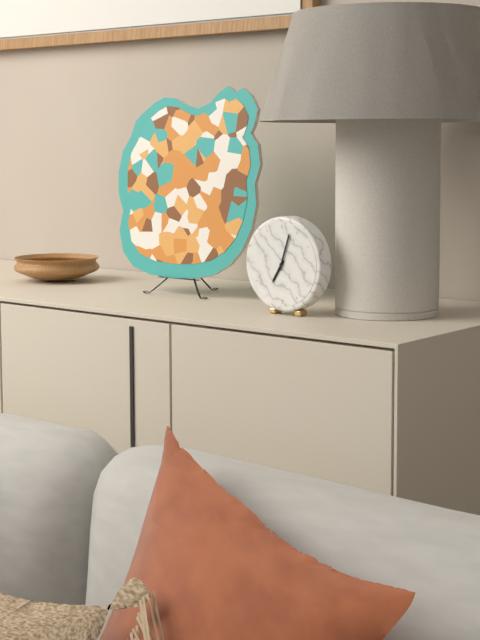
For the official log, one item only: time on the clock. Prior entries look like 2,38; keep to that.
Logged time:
7,03
